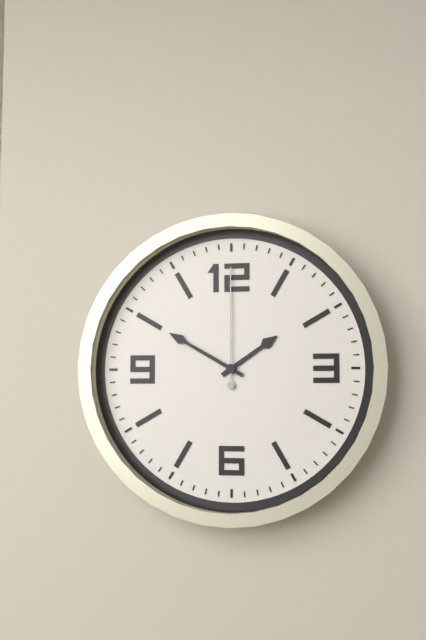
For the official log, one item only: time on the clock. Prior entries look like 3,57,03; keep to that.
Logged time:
1,50,00
